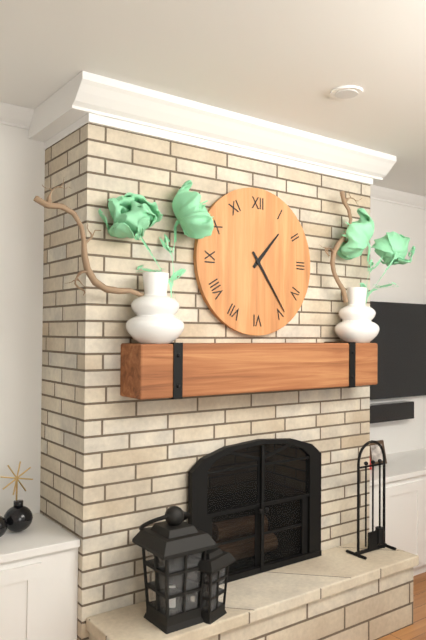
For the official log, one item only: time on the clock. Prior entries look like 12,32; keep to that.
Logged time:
1,24
